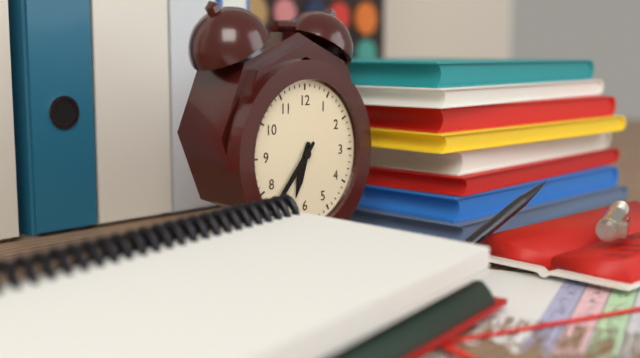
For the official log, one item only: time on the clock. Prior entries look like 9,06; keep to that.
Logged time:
6,37
